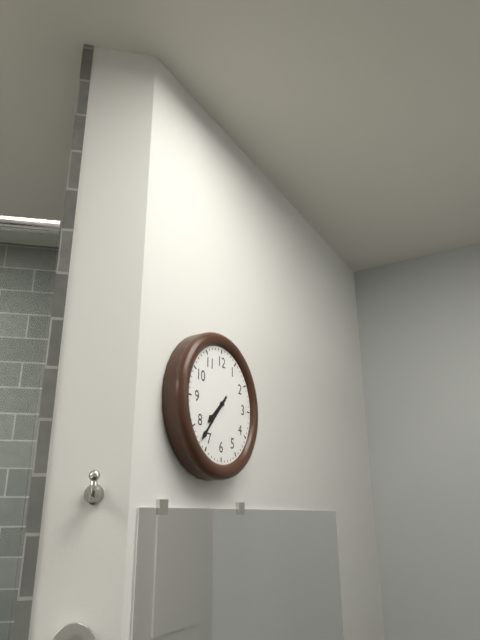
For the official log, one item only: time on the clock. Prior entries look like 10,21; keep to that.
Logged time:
7,37
